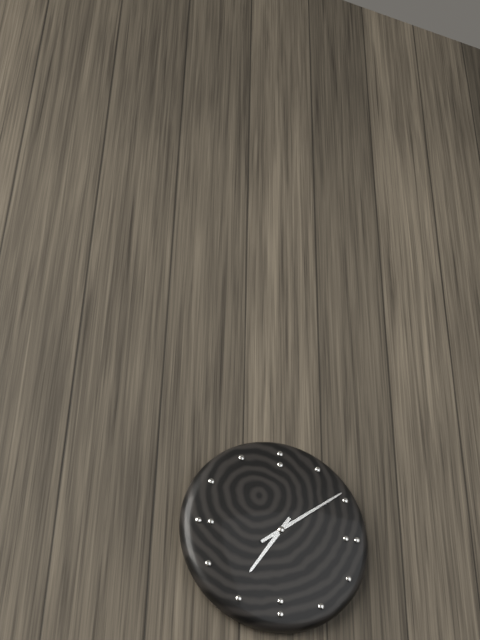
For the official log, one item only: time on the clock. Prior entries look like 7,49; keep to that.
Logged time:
7,09
